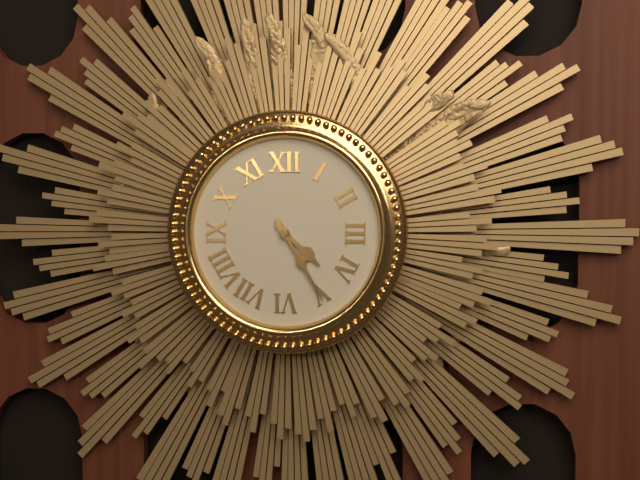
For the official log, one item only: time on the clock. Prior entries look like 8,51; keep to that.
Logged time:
4,25
